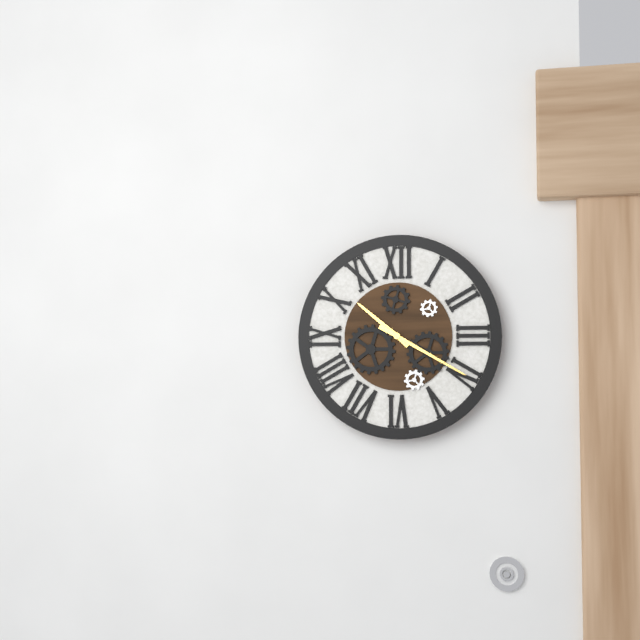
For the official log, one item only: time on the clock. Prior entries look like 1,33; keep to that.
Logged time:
10,20
